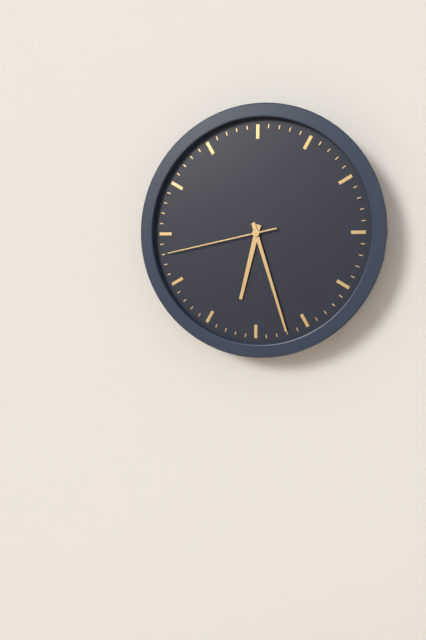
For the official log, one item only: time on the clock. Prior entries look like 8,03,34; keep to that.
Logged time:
6,27,43
